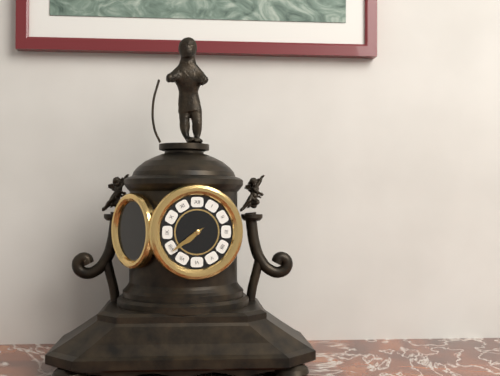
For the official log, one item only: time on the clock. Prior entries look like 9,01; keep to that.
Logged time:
7,39
